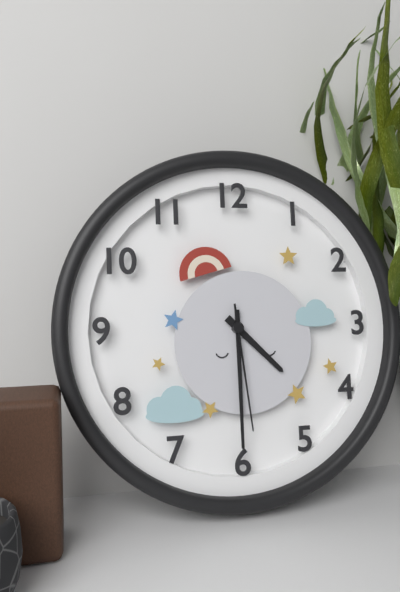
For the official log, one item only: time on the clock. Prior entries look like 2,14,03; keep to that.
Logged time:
4,30,29
